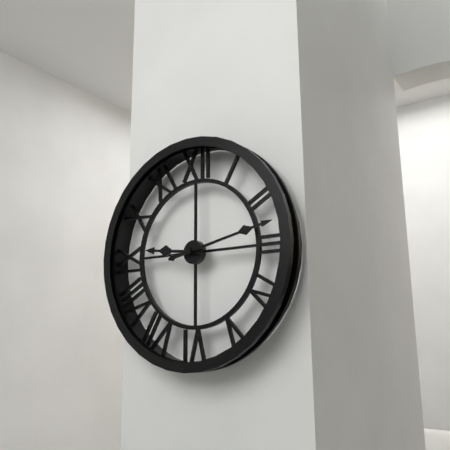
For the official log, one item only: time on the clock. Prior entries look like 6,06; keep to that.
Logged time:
9,13
